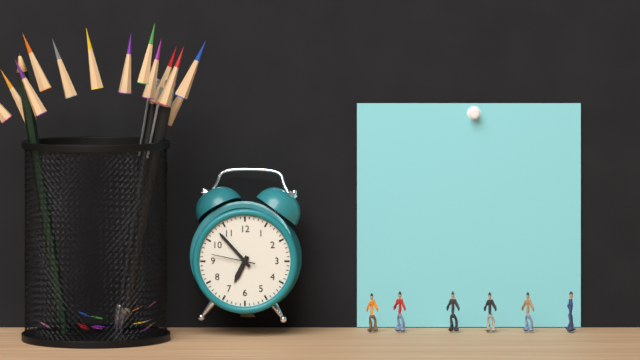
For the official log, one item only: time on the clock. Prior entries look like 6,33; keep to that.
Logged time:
6,53
